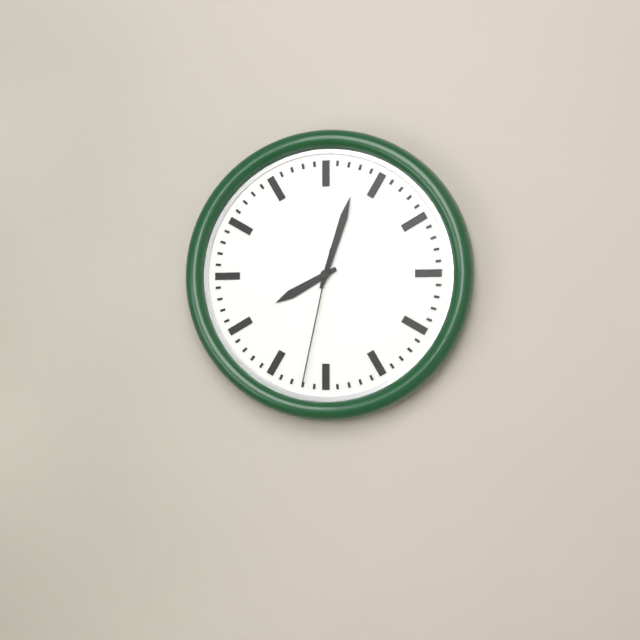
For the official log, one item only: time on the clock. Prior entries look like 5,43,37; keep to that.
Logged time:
8,03,32
